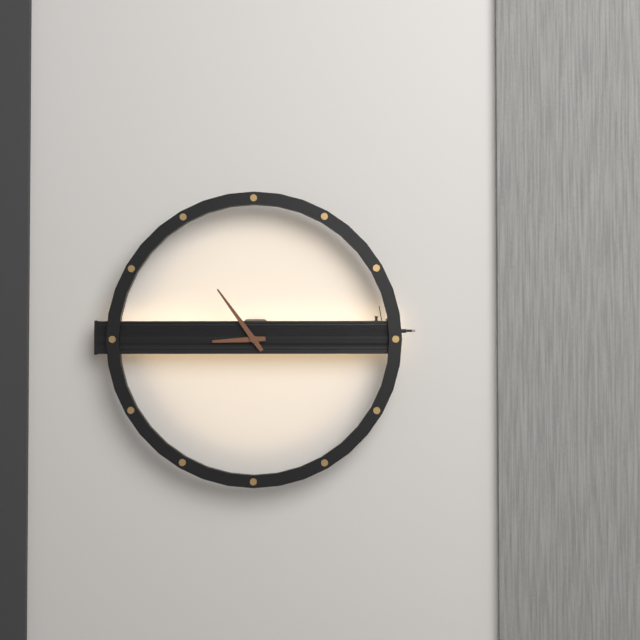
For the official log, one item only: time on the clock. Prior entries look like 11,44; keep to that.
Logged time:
8,54
